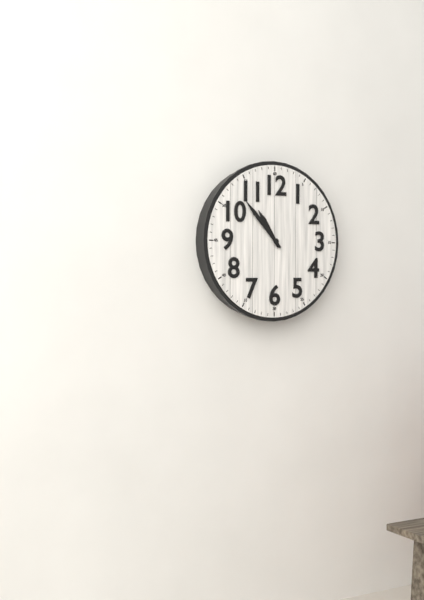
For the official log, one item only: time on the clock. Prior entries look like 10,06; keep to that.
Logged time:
10,53
